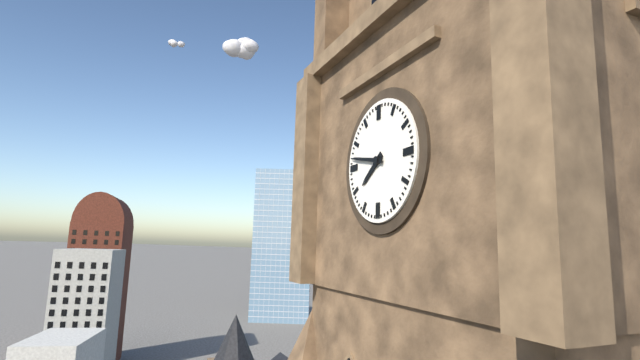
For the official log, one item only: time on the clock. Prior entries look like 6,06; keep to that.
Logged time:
7,47
